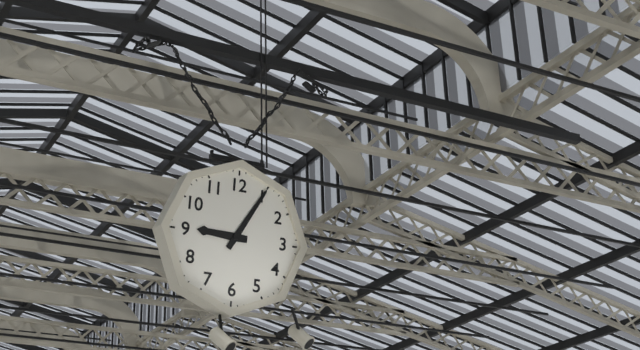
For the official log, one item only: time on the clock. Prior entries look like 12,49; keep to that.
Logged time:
9,05
